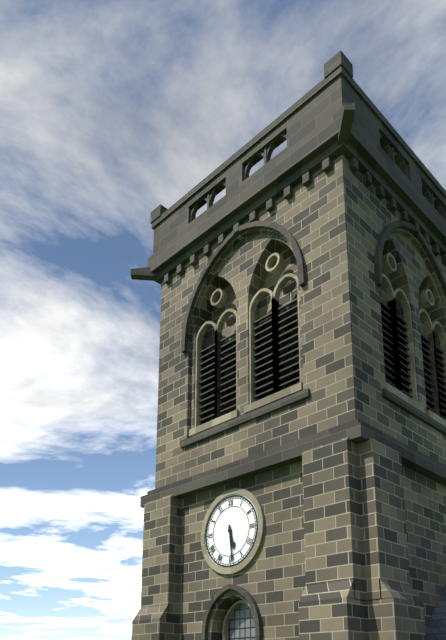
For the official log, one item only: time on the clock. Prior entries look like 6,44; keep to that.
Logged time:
5,29
